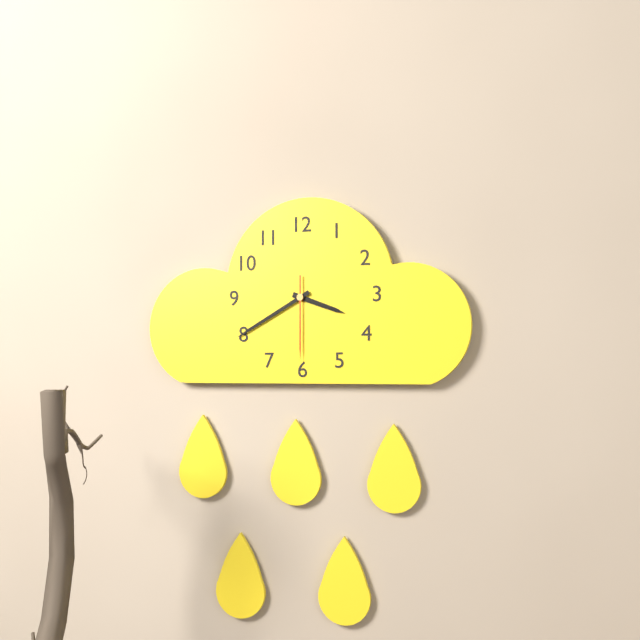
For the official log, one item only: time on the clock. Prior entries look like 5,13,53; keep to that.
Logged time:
3,40,30
